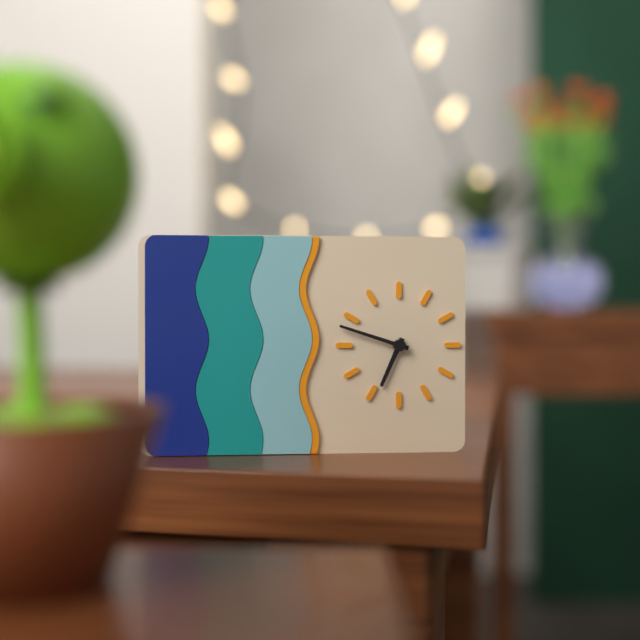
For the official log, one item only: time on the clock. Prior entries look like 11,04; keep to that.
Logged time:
6,48
